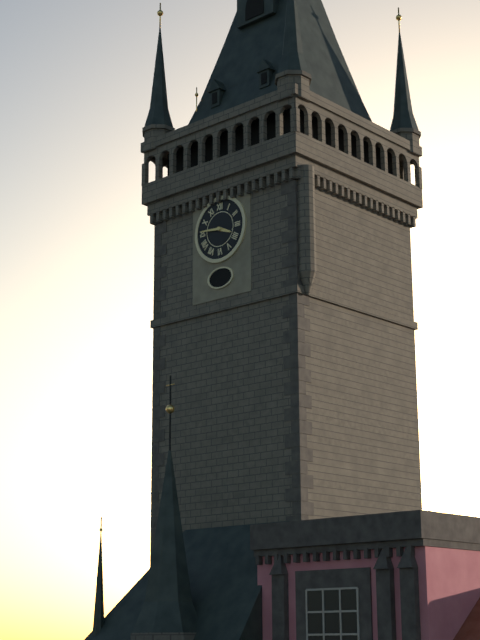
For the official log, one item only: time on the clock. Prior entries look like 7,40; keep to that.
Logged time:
3,46
